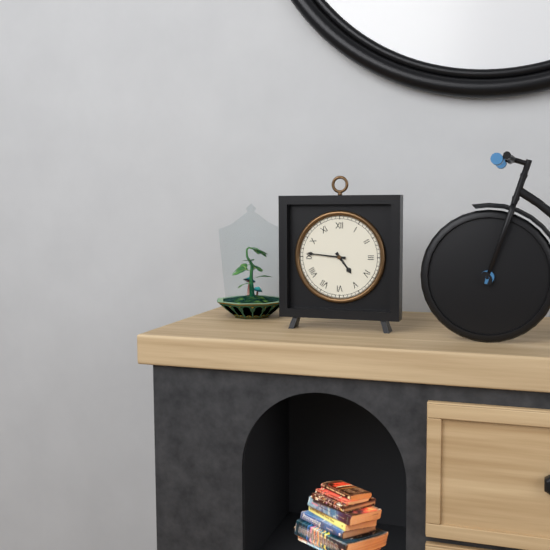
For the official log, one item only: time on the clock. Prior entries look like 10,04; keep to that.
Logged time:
4,46
